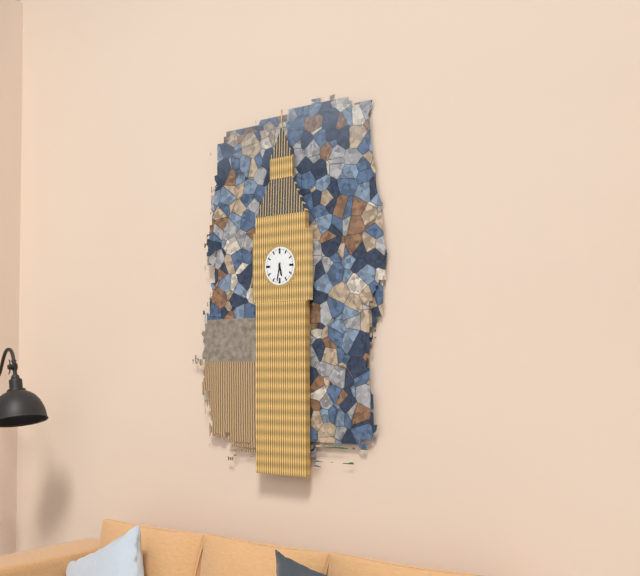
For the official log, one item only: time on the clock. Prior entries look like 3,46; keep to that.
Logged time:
5,32
